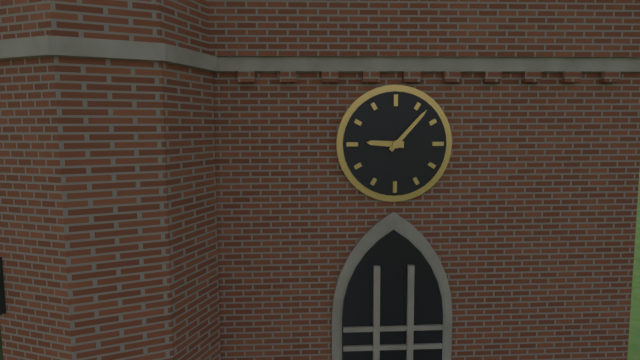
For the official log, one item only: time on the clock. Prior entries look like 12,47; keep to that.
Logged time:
9,07
